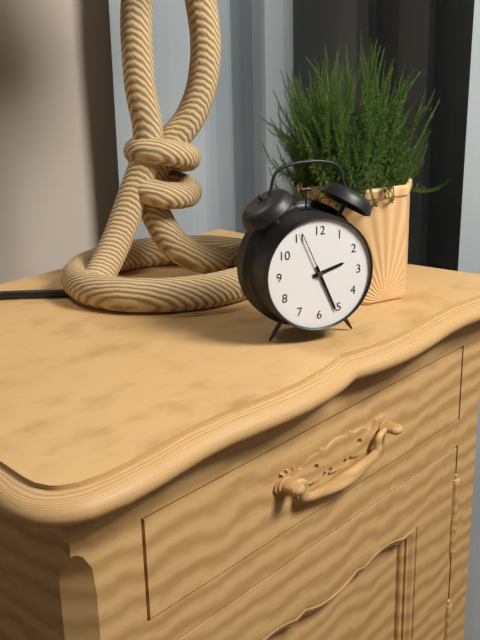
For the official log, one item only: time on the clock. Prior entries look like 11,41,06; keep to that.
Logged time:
2,26,56
